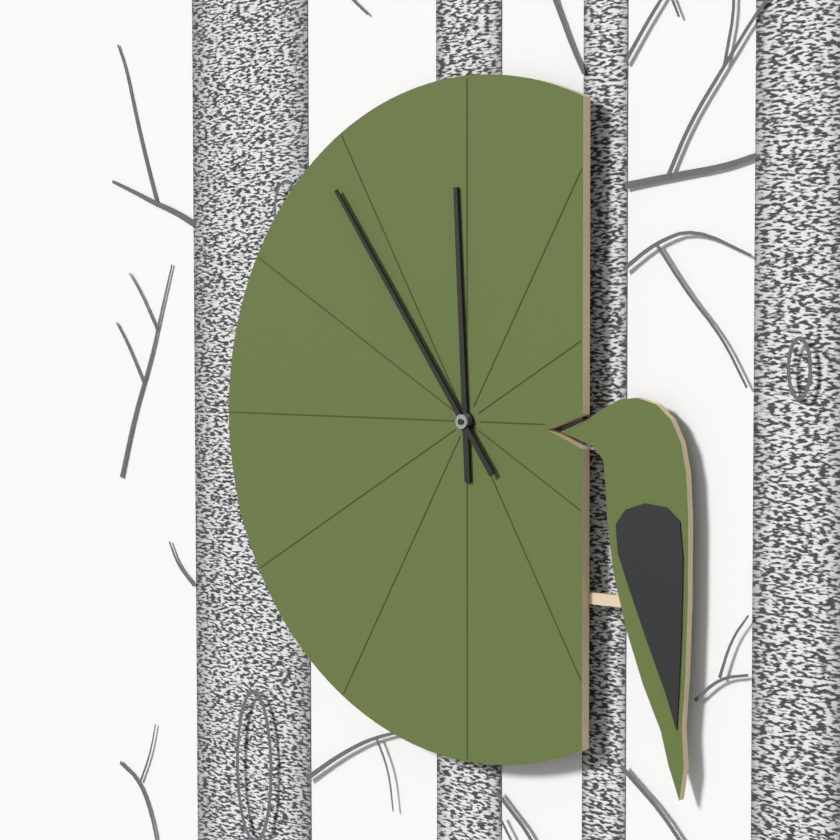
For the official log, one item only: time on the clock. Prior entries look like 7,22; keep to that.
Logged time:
11,54
